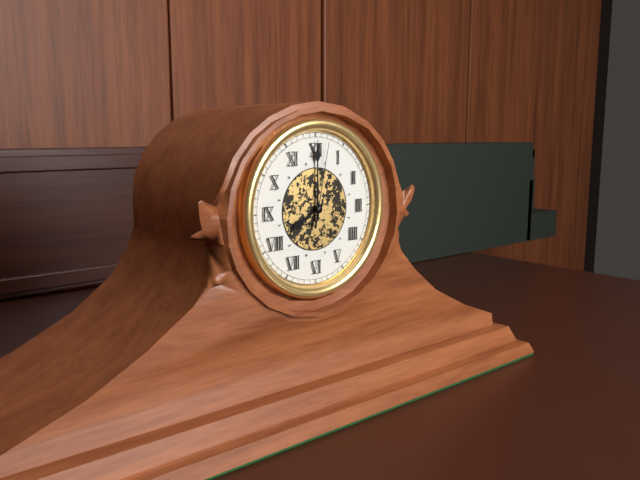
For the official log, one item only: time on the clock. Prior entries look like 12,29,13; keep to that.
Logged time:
8,00,02
